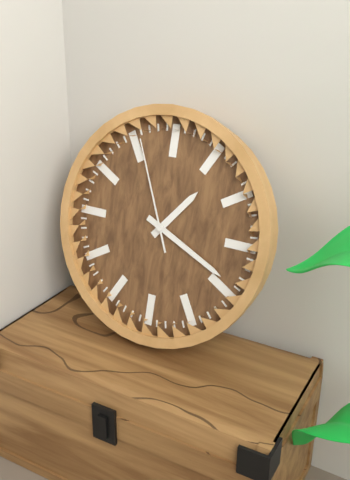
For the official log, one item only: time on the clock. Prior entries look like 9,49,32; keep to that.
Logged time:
1,19,56
